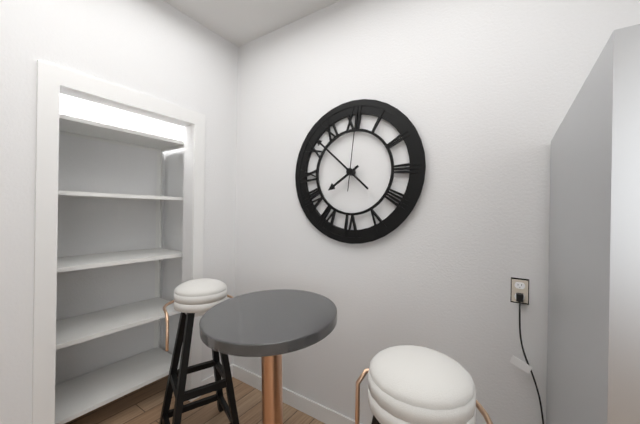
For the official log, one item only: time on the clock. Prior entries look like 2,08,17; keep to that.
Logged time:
7,52,01
